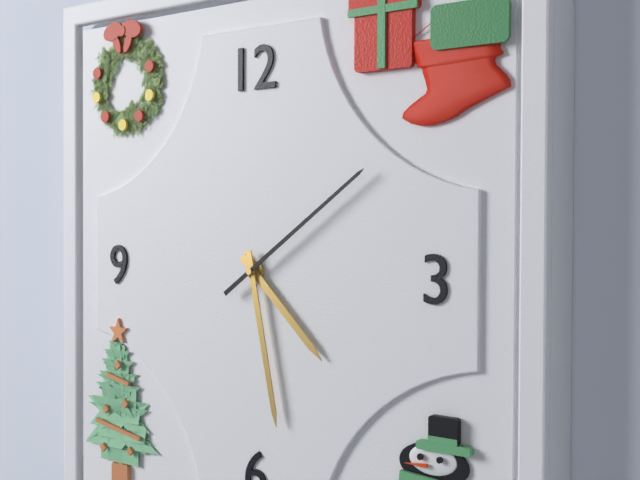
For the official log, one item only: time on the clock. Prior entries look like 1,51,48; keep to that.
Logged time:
4,28,09
